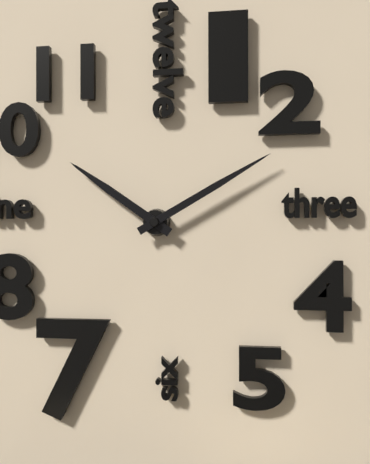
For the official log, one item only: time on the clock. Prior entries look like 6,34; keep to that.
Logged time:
10,10
